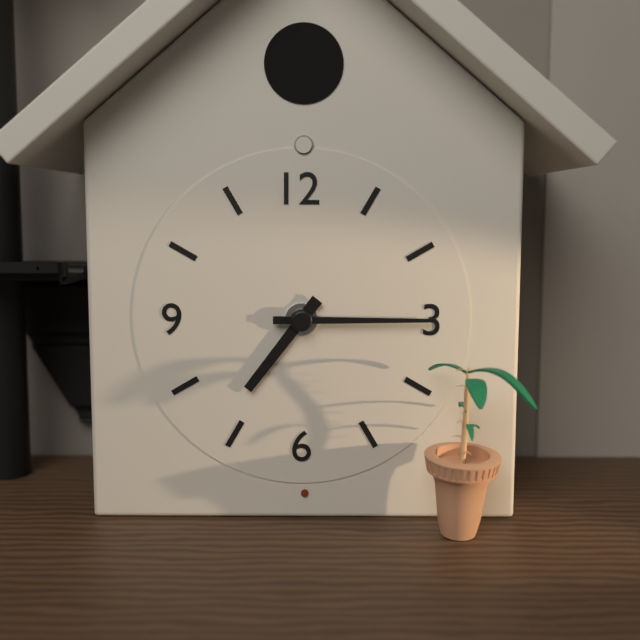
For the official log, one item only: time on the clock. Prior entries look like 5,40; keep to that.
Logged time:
7,15
